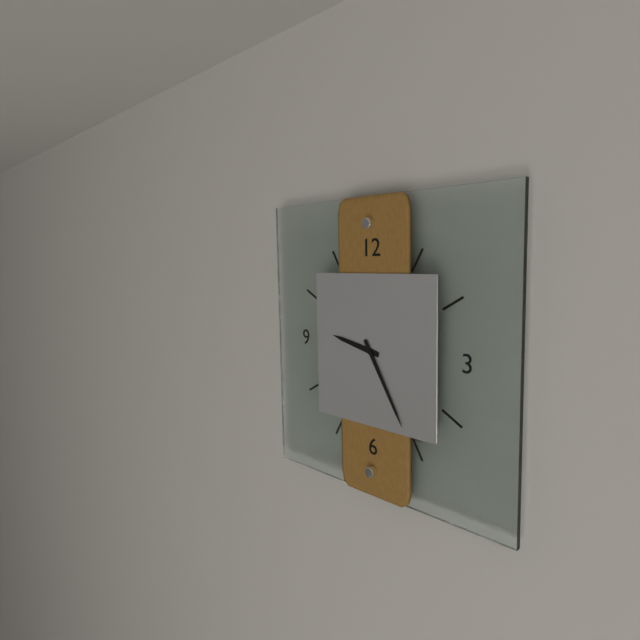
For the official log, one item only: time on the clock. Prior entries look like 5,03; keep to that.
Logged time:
9,25
